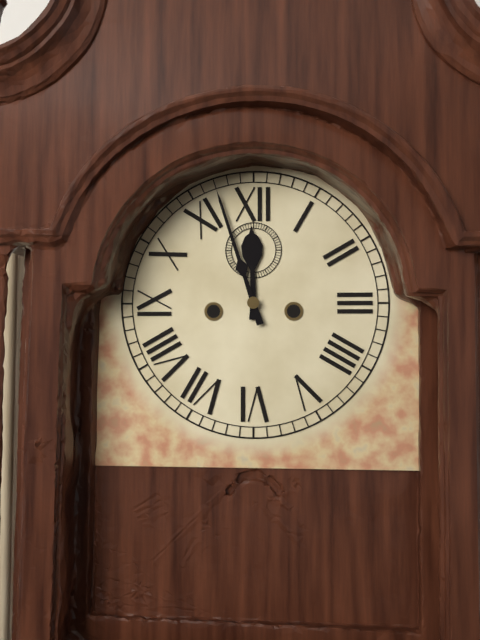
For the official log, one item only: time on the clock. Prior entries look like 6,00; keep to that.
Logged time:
11,57
